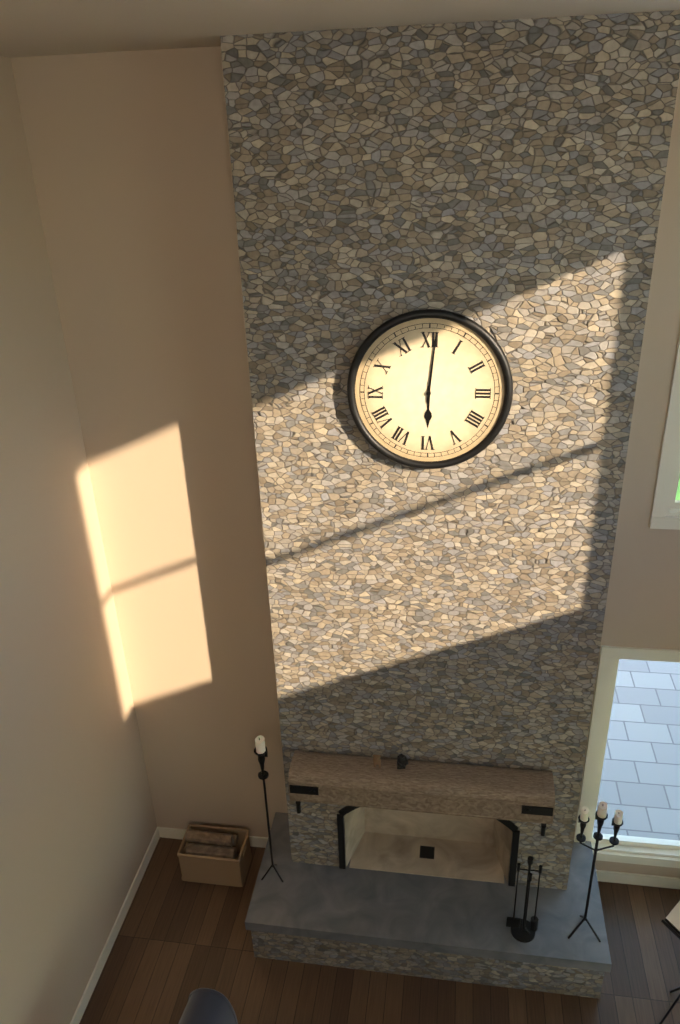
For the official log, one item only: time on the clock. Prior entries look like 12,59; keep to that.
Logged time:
6,01
